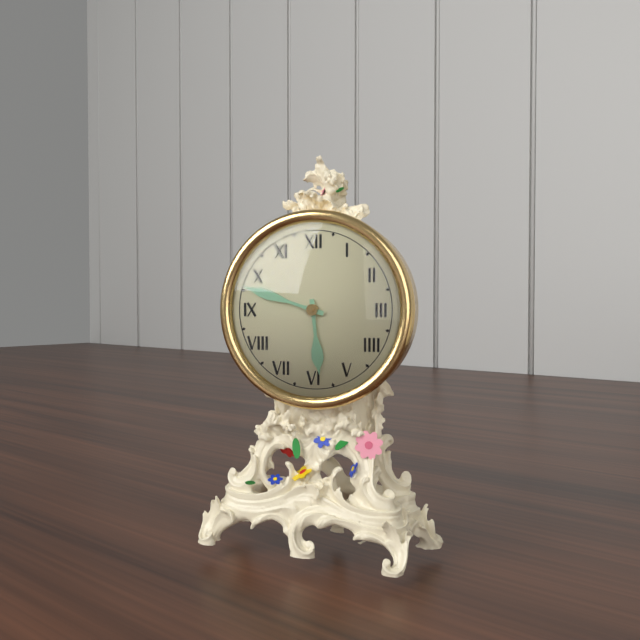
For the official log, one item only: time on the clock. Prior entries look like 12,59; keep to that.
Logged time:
5,48
